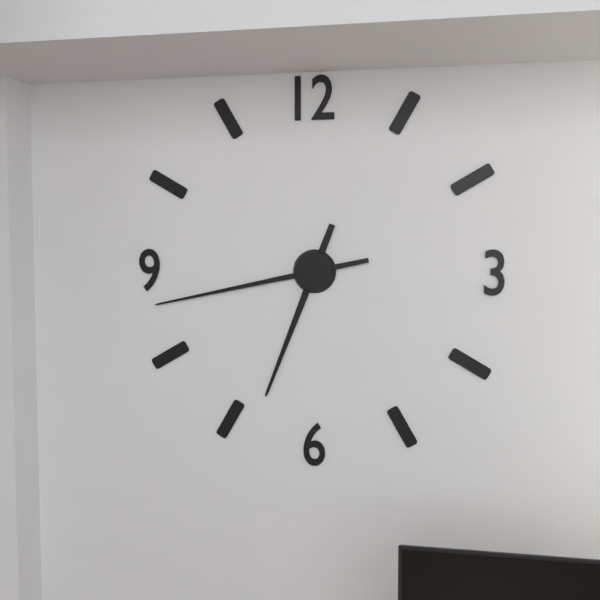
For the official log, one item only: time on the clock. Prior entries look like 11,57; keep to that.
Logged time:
6,43
